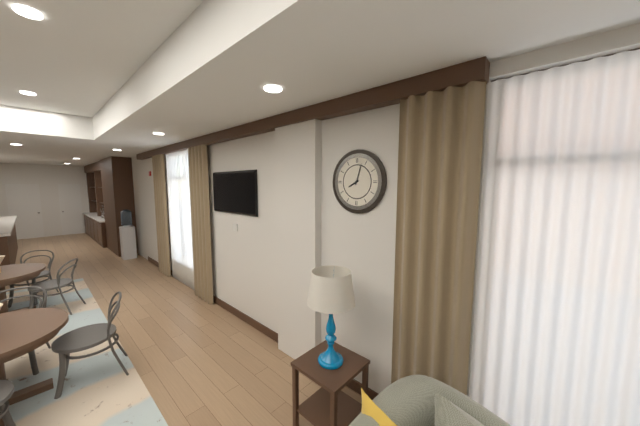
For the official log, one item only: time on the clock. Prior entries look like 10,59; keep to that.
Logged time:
8,03
